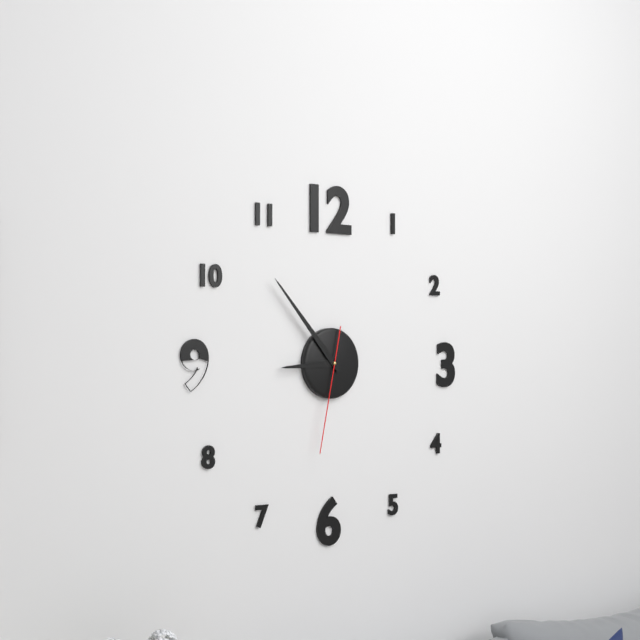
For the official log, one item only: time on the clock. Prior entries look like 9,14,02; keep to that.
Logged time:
8,53,32
